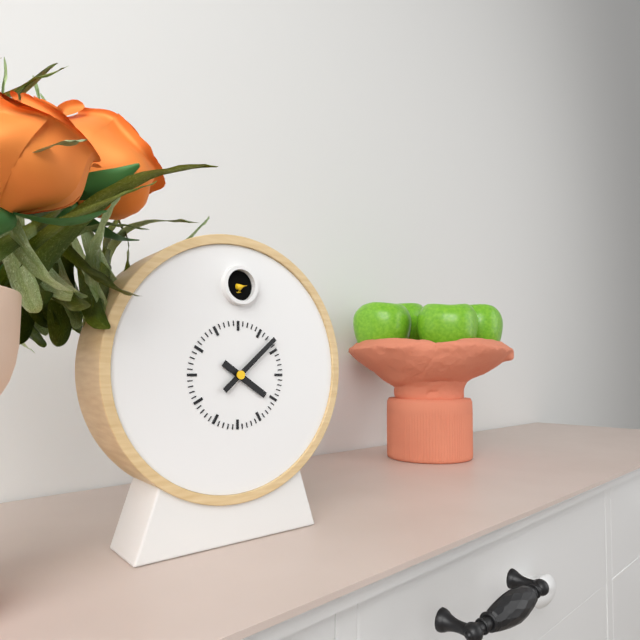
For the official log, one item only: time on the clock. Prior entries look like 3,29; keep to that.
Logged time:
4,08
